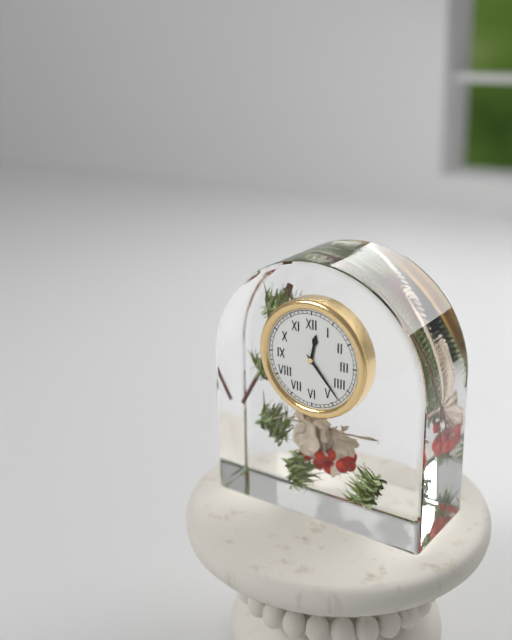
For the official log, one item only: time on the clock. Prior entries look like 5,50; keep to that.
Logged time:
12,23
